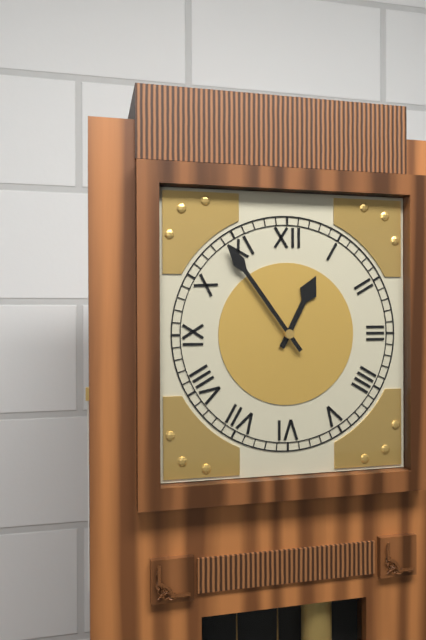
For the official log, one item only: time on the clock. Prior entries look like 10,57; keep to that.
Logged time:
12,54
